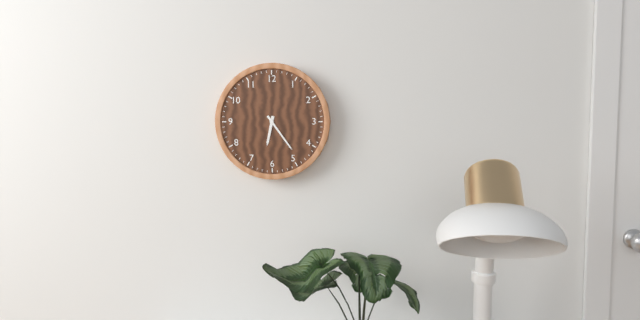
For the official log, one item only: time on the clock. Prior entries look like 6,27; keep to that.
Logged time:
6,24
